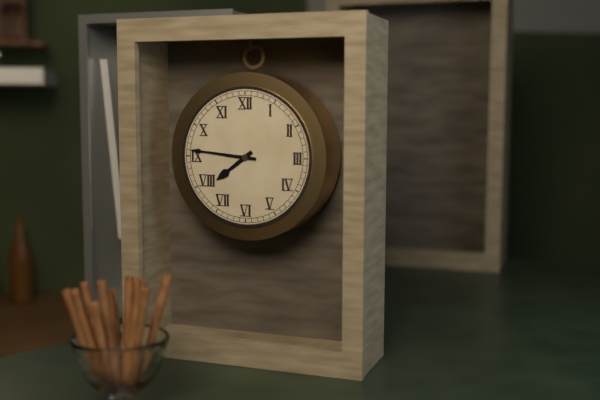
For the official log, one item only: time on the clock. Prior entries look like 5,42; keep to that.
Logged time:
7,46
